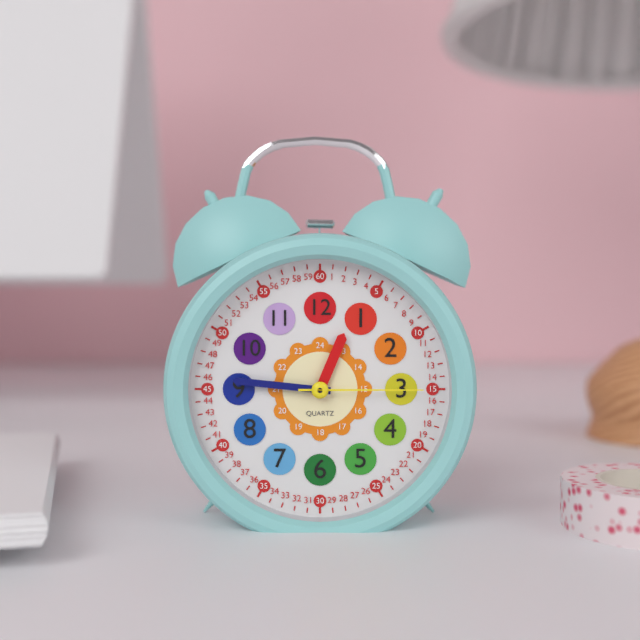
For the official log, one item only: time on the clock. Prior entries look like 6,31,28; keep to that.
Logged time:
12,46,15
